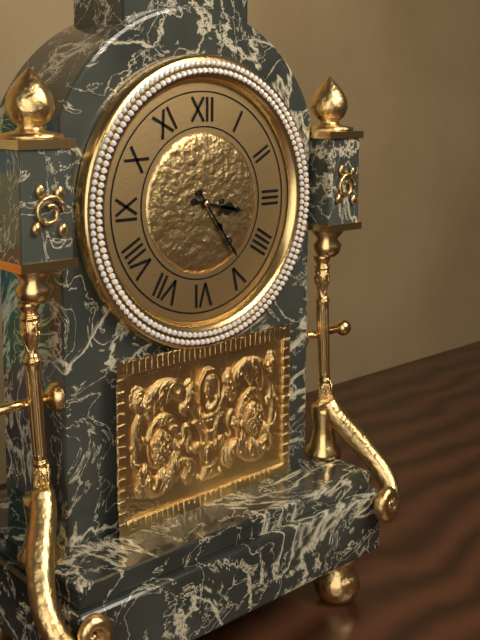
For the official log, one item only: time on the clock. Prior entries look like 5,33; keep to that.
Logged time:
3,24
